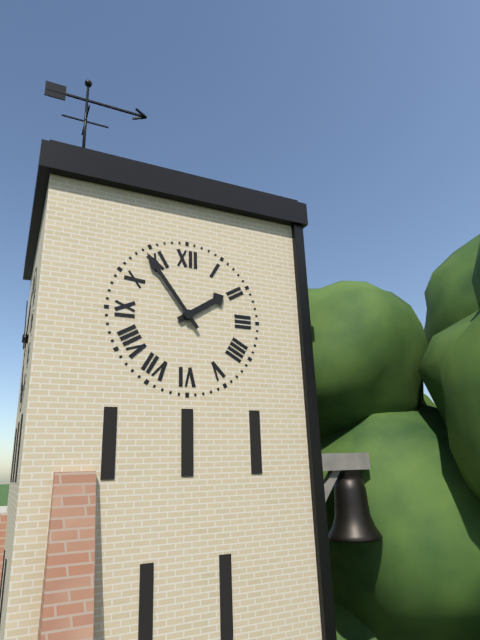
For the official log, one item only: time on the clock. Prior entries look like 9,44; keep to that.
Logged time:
1,54
